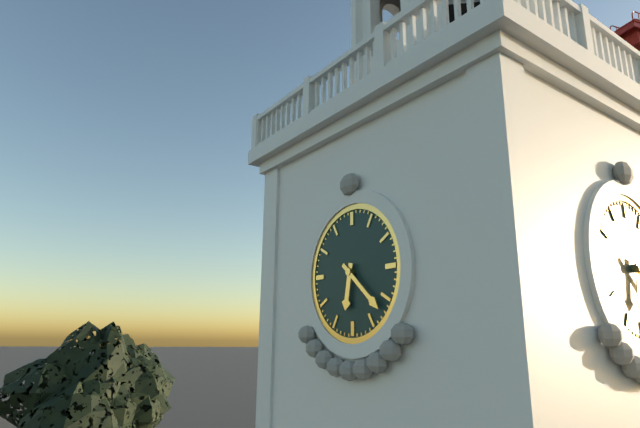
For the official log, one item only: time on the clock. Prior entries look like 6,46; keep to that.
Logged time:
6,22
